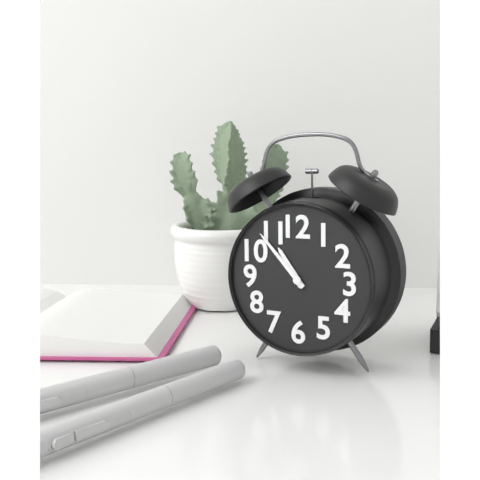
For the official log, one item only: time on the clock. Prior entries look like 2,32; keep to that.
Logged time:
10,53
